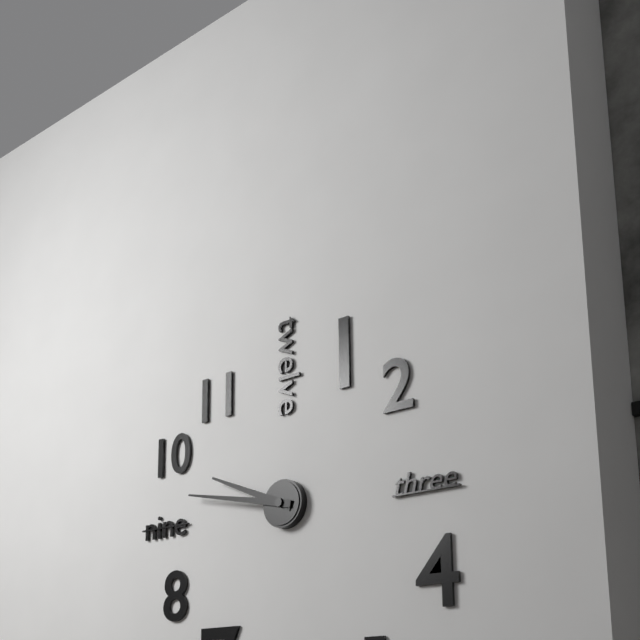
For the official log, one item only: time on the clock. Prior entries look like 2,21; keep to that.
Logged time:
9,47
